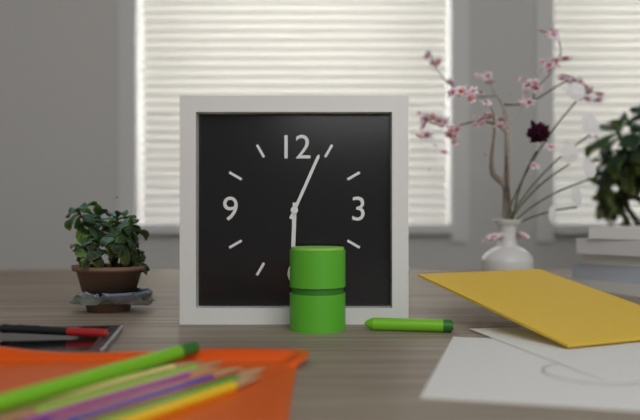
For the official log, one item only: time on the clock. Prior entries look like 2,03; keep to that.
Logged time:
6,04
